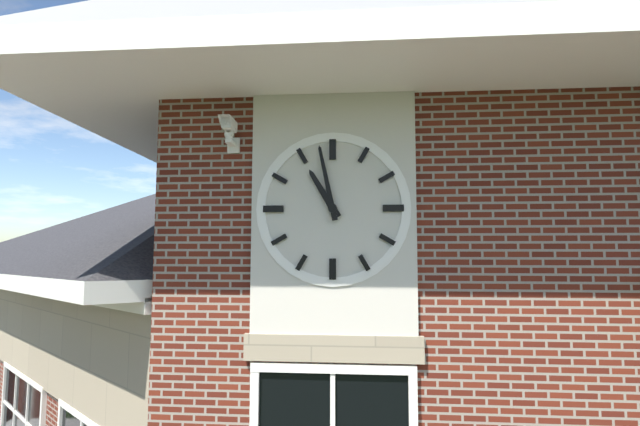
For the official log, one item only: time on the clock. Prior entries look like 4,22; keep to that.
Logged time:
10,58
